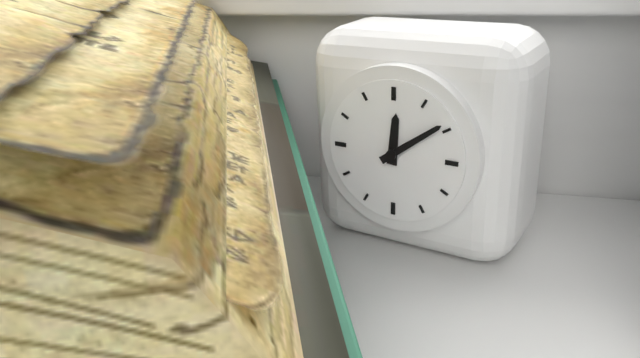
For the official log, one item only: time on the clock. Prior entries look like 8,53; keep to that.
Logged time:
12,09
